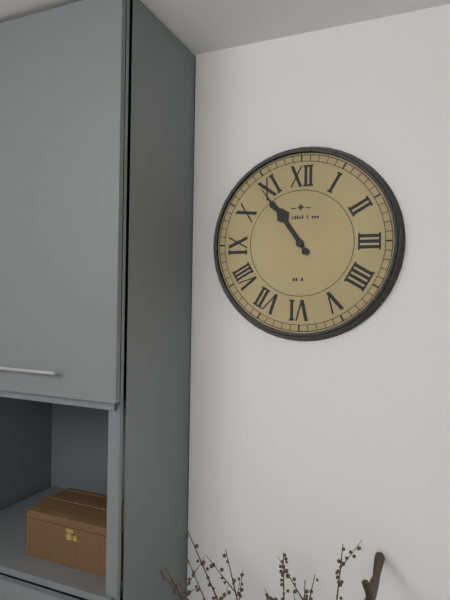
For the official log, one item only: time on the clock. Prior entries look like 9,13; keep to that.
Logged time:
10,54
